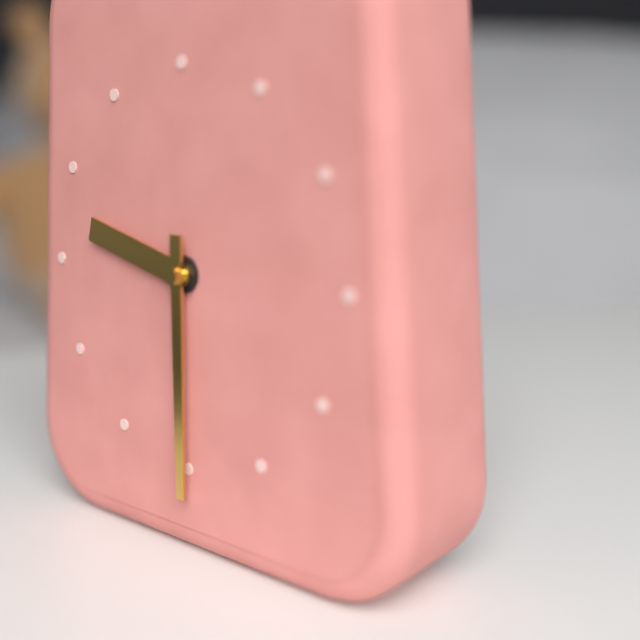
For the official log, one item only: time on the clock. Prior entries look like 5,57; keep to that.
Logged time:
9,30
